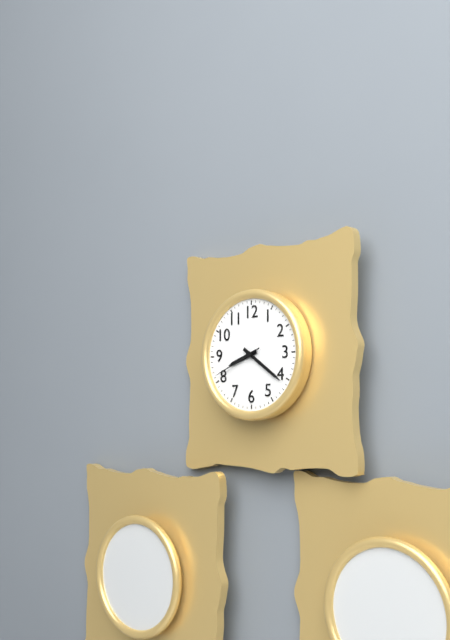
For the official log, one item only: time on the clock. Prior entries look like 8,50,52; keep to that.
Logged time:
8,21,41
